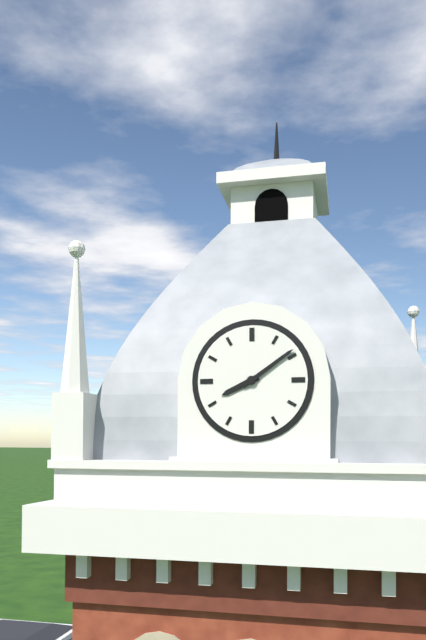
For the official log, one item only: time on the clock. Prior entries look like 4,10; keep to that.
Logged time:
8,09
